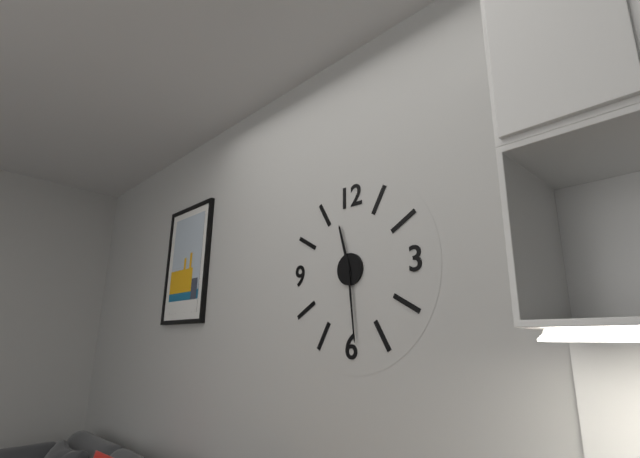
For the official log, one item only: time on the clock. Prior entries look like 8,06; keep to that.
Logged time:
11,29
